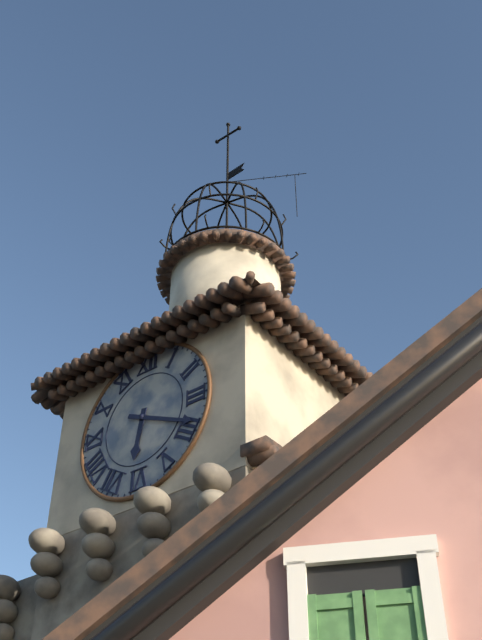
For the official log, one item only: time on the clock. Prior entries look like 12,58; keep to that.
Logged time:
6,19
